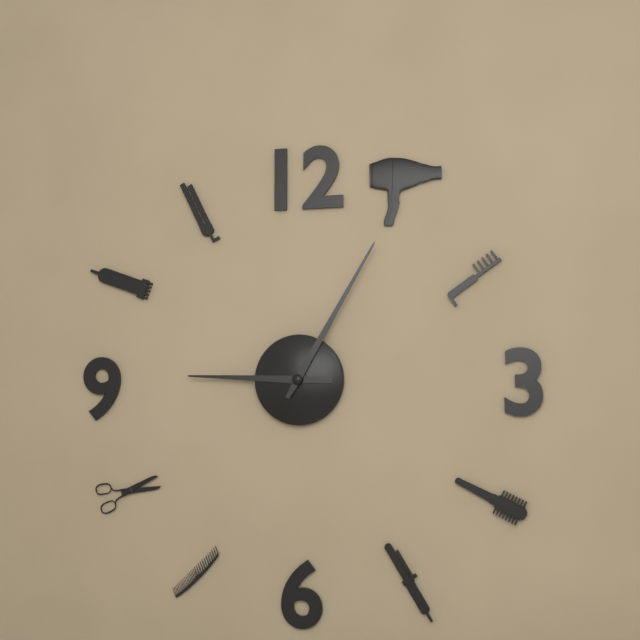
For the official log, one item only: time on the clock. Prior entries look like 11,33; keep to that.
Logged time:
9,05
